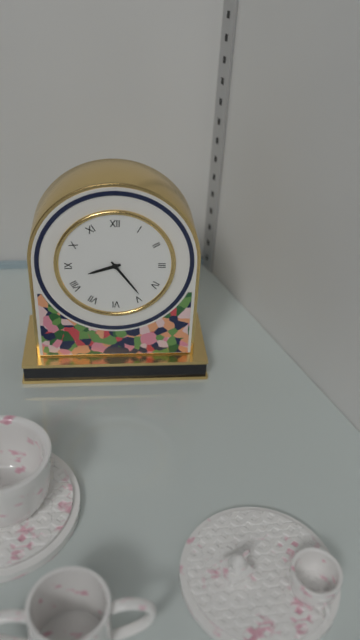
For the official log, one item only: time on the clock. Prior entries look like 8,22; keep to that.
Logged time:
8,24
